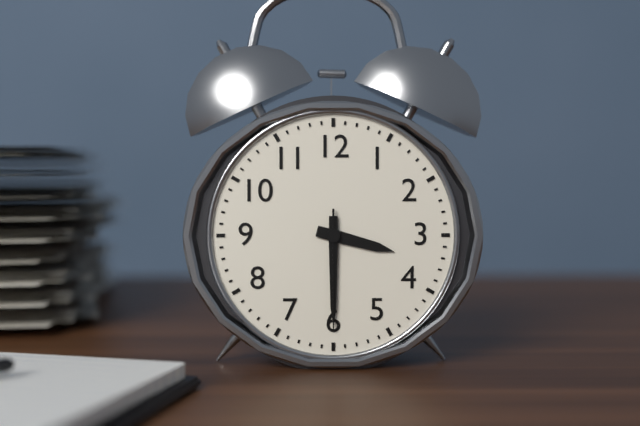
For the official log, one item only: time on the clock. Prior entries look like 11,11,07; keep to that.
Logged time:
3,30,30
